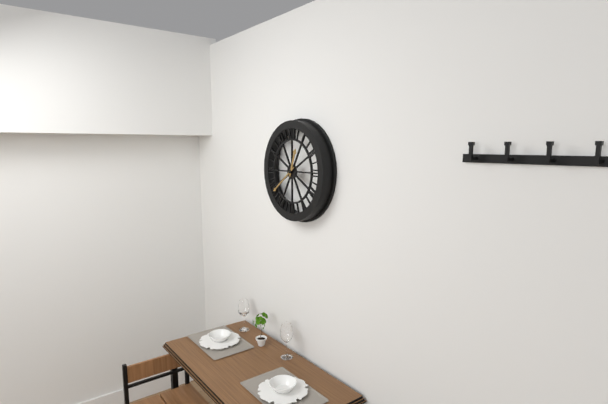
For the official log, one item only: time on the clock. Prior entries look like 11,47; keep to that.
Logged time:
12,39
